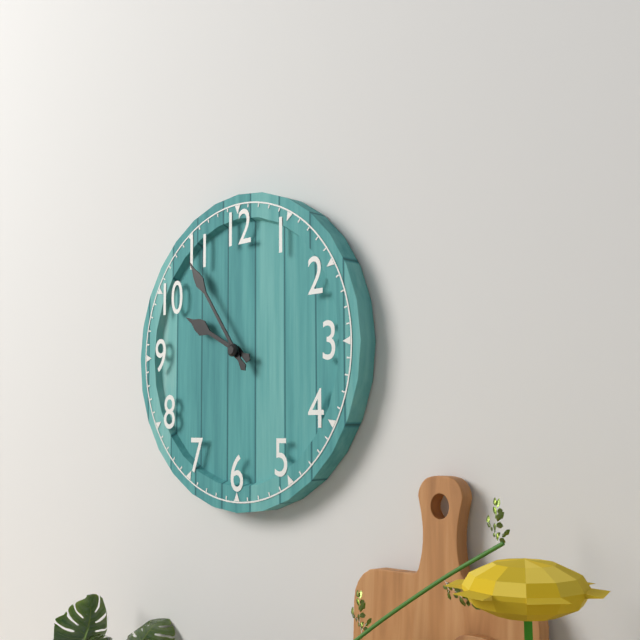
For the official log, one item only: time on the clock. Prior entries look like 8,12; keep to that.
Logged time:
9,54
